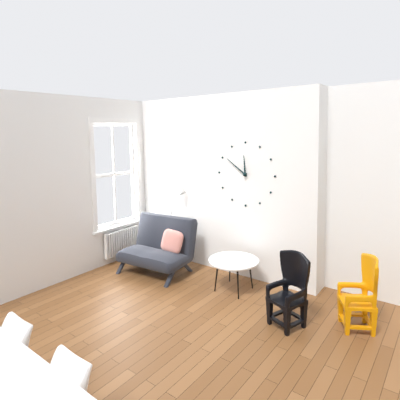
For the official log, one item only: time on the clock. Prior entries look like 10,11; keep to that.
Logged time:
11,51
